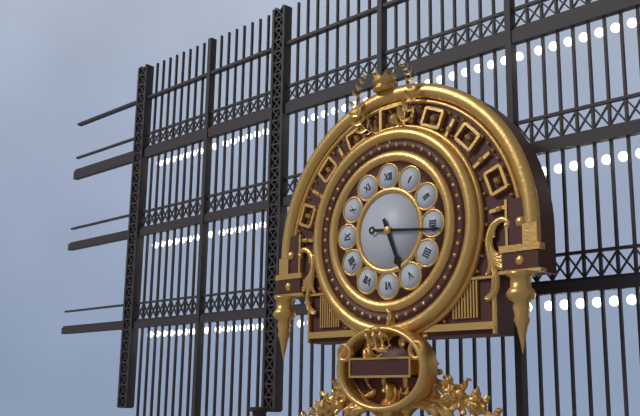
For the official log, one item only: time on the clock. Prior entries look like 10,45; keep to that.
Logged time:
5,16
